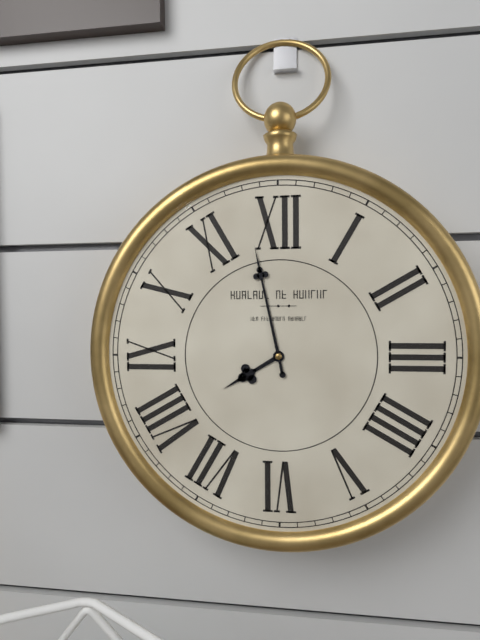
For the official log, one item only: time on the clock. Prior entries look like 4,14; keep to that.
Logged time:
7,58
